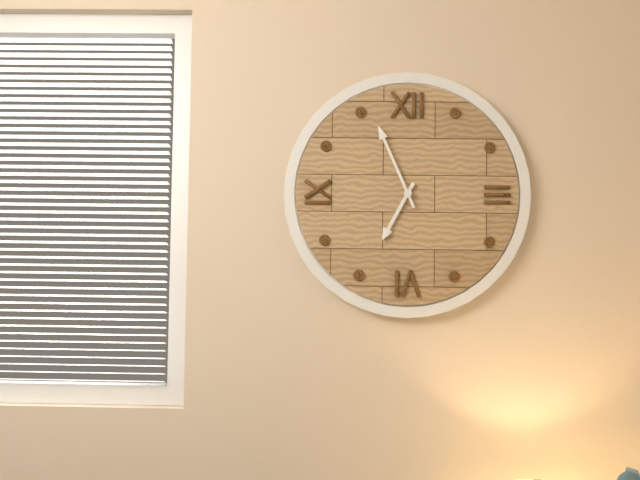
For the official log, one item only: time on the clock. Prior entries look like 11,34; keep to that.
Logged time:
6,56
